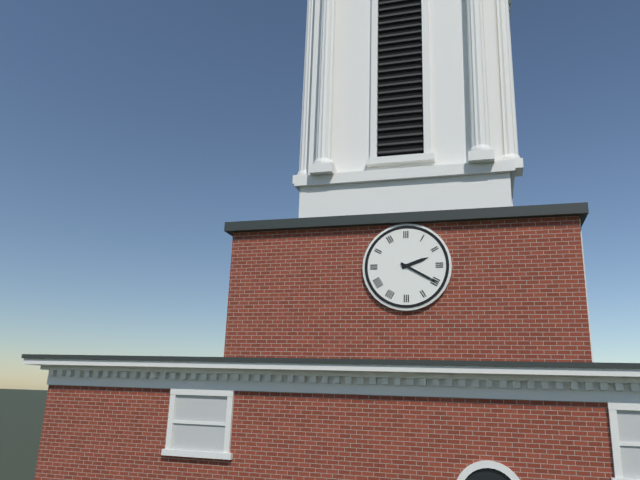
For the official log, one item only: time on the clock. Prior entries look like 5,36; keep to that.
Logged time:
2,20
